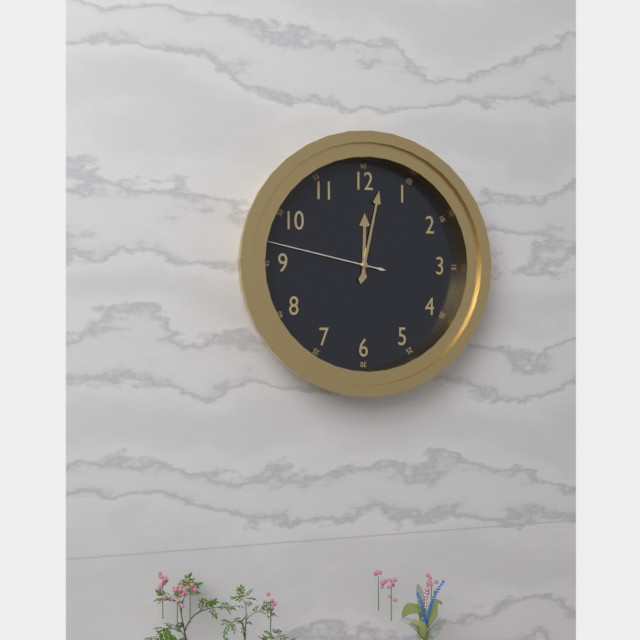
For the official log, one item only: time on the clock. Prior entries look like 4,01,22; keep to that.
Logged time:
12,02,47
